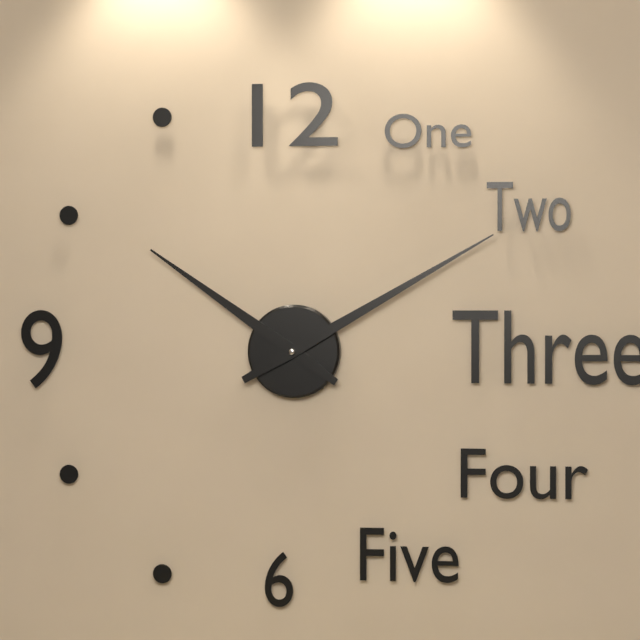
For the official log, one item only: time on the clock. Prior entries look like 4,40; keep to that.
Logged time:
10,10
